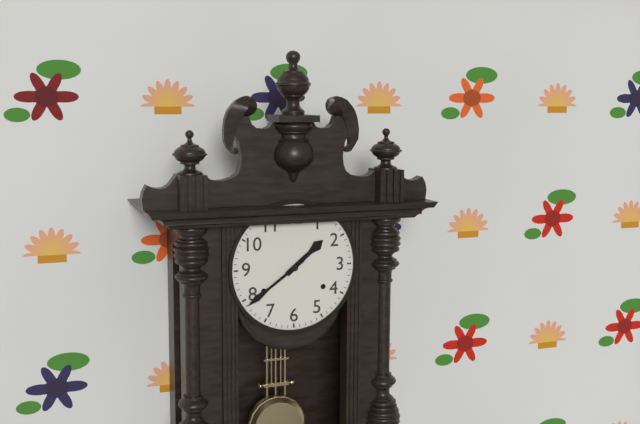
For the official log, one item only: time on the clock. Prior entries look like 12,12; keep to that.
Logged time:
1,39
